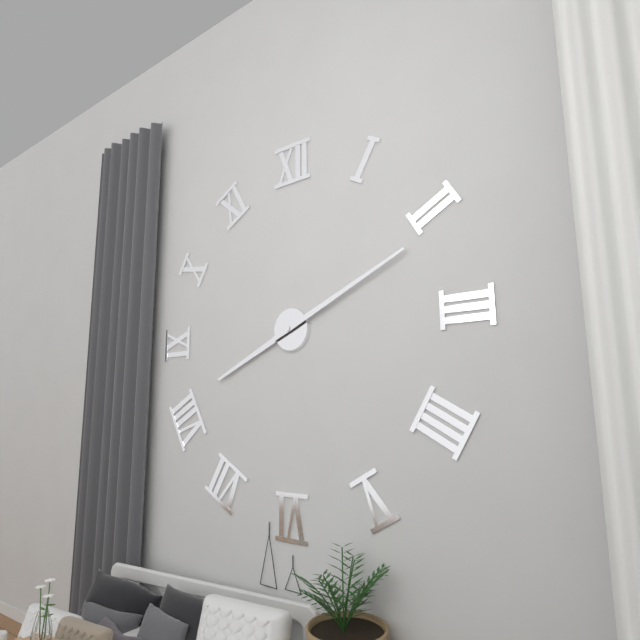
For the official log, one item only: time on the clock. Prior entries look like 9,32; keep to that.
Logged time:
8,11
